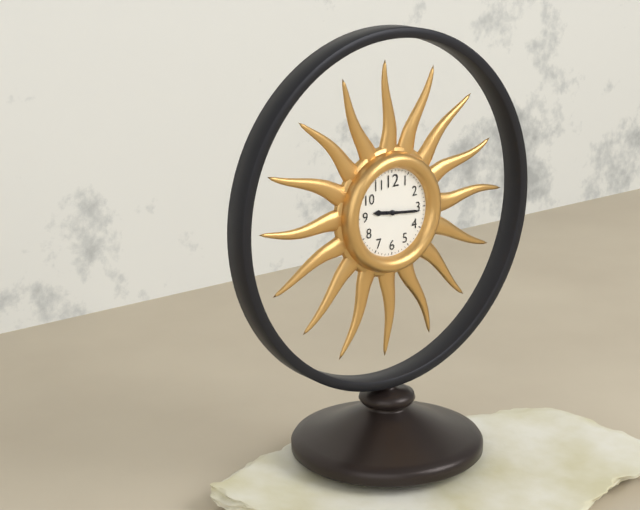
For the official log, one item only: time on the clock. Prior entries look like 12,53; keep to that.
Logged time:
9,16
